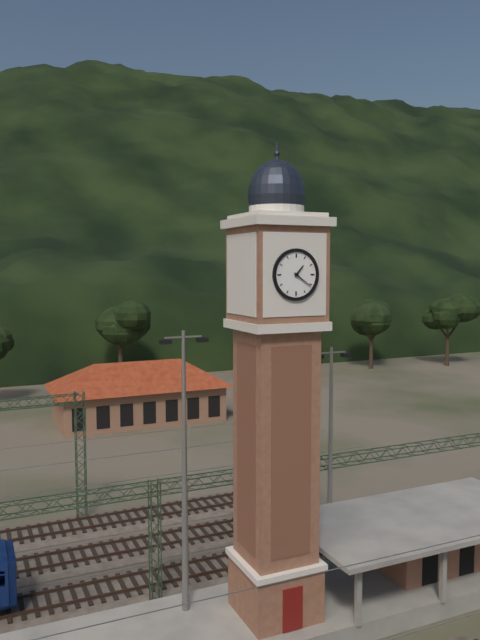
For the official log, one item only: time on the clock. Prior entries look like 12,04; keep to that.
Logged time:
1,21
